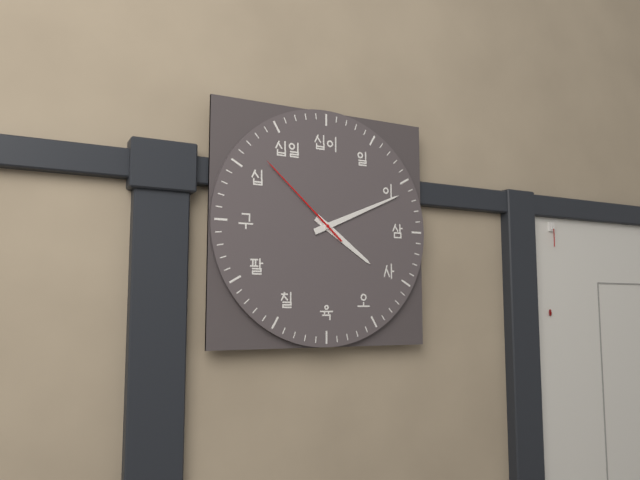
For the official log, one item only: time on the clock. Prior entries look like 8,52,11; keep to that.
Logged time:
4,11,52
